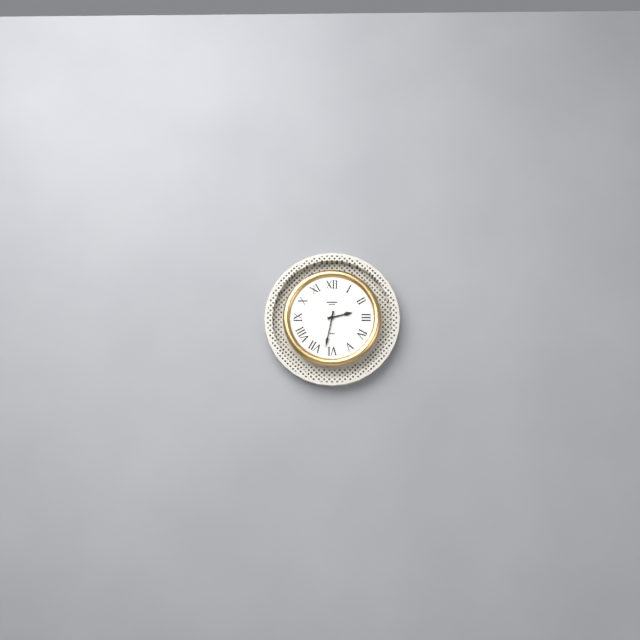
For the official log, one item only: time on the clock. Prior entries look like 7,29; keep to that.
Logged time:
2,32
